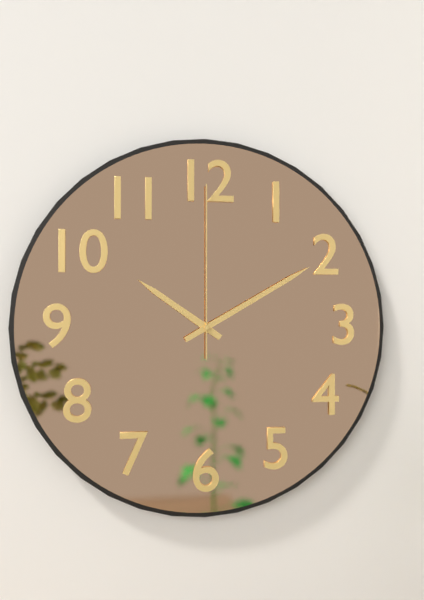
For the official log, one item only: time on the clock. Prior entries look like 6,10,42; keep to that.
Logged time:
10,10,00
